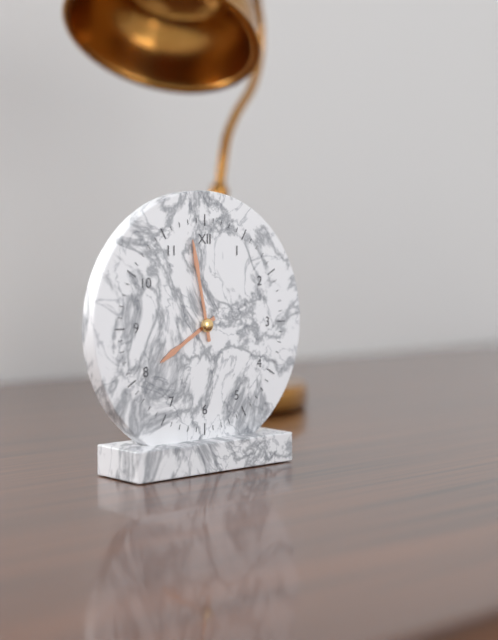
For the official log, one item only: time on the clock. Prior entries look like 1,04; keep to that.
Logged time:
7,58
